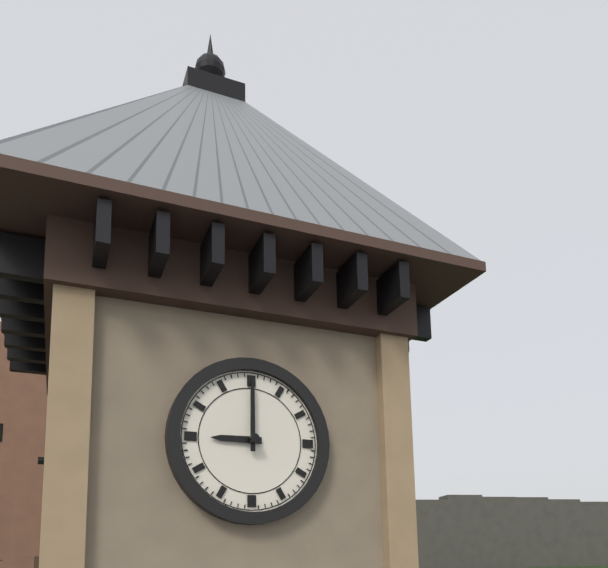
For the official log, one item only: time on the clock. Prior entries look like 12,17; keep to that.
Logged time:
9,00
